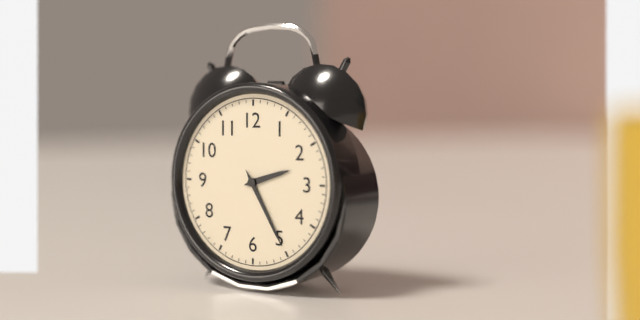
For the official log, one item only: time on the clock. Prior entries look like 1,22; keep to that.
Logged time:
2,25
